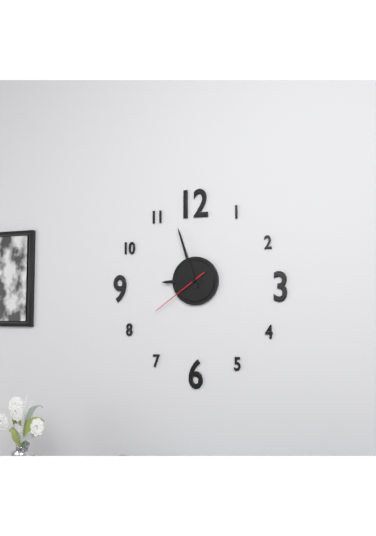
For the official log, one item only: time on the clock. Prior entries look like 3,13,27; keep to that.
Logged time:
8,57,39
